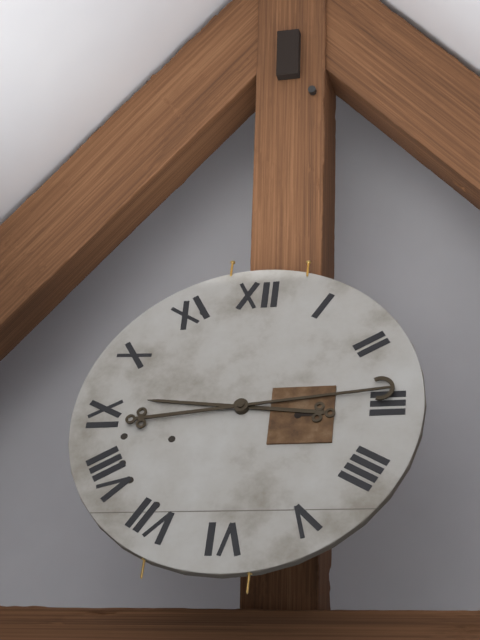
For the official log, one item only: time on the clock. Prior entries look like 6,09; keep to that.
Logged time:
9,14
